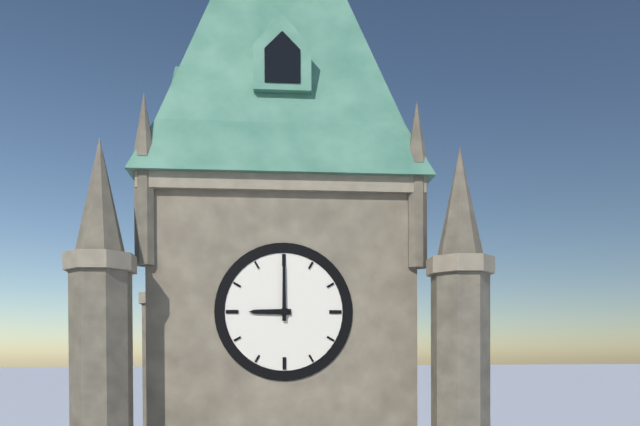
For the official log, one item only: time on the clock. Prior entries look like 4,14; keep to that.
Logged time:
9,00
